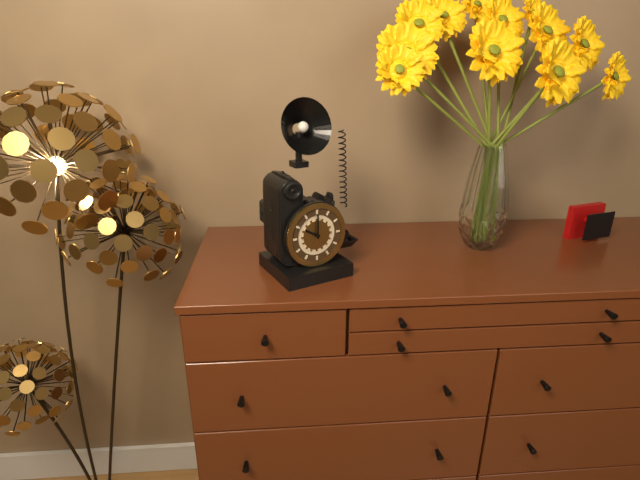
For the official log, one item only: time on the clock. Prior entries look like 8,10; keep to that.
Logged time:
10,00
